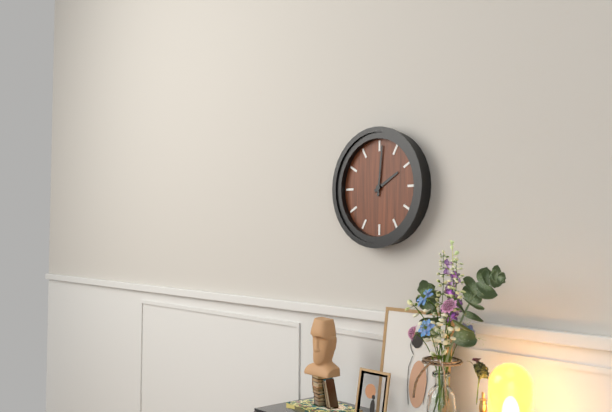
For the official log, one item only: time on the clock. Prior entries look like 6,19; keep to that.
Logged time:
2,01
